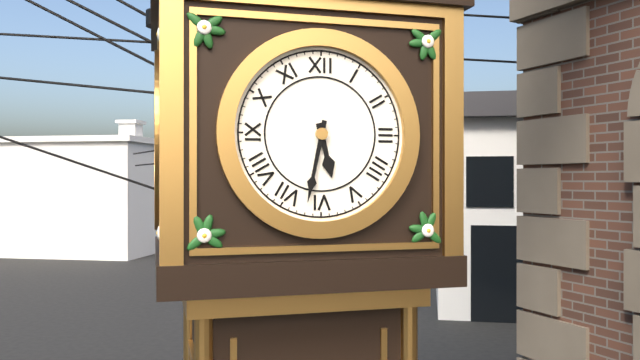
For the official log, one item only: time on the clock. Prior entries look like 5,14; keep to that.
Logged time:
5,32
